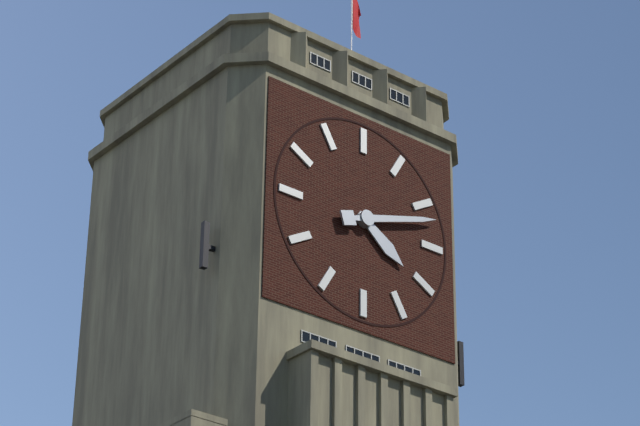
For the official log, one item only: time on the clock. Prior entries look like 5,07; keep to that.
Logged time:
4,12
